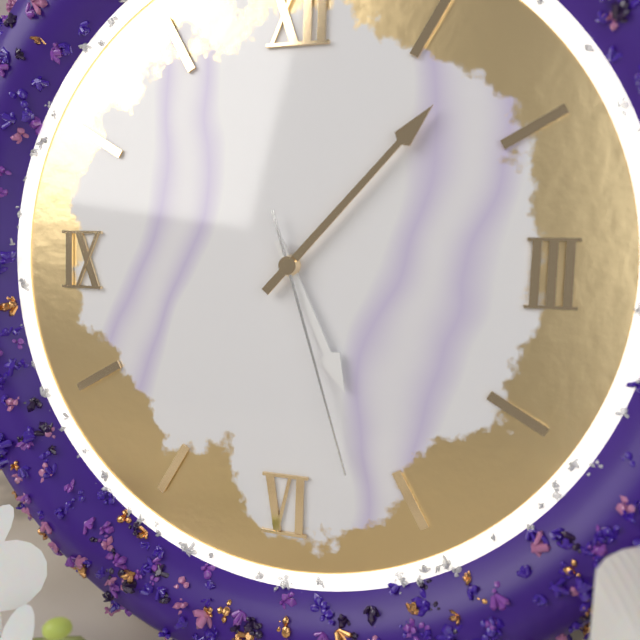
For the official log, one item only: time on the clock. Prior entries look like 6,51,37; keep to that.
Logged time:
5,07,27
